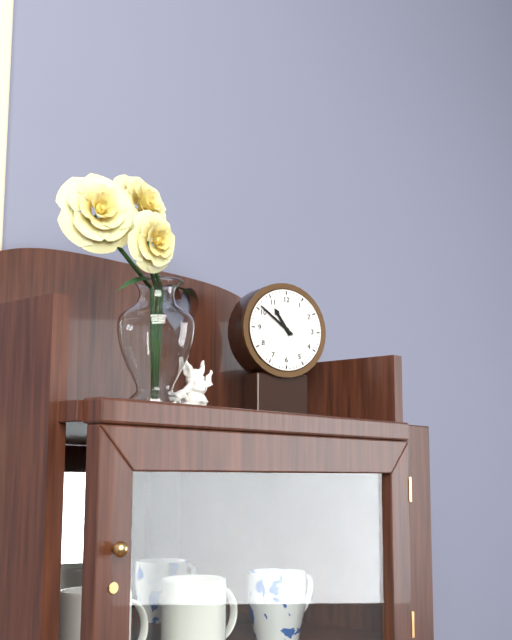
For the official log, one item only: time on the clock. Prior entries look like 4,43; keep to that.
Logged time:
10,51
